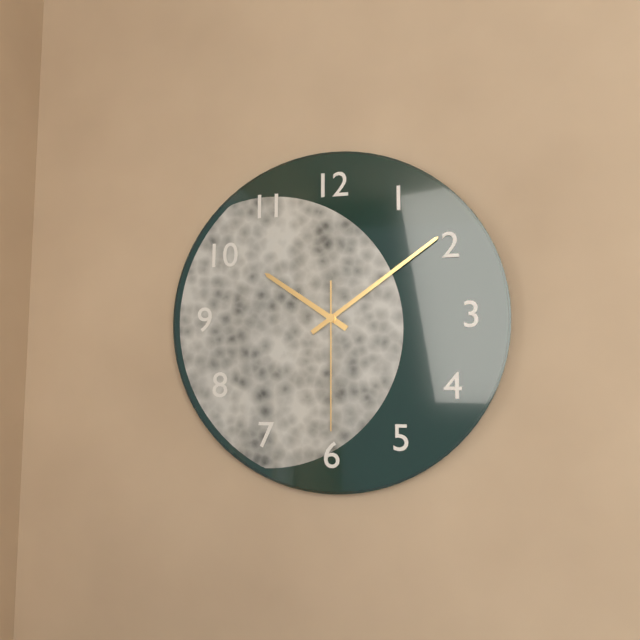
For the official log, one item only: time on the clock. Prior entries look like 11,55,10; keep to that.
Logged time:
10,09,30
